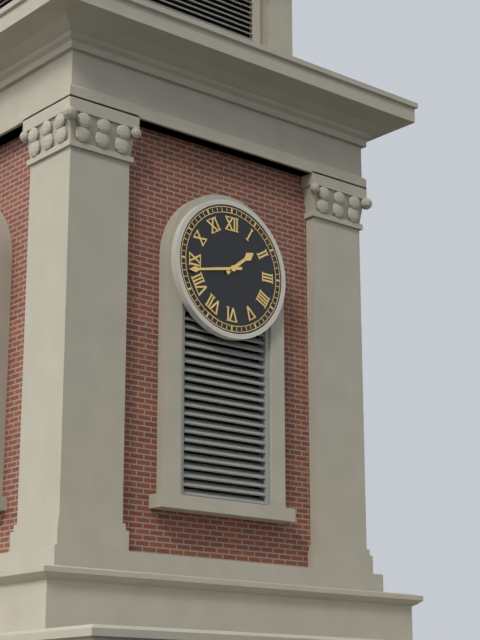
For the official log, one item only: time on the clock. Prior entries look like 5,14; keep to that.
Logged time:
1,43
